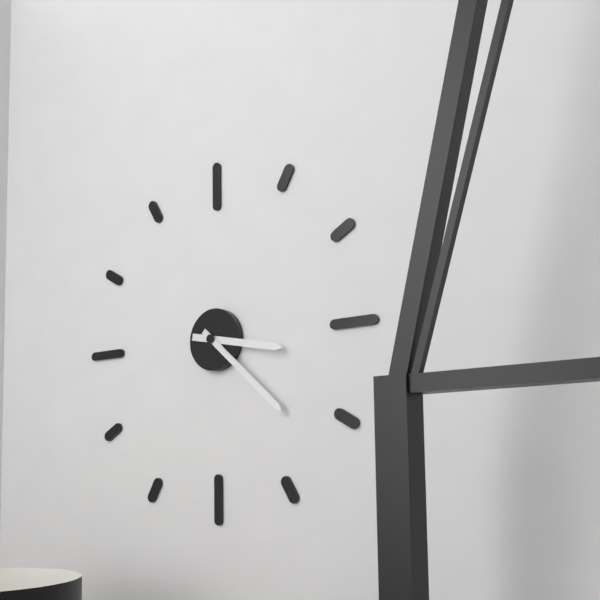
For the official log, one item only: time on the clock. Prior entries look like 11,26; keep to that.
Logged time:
3,22
